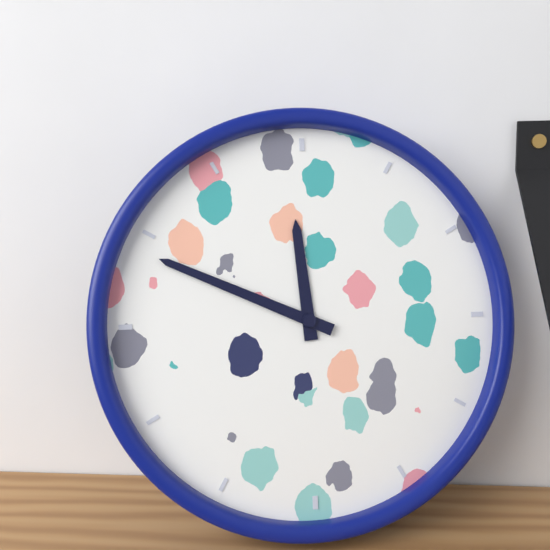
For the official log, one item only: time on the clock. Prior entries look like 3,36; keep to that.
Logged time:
11,49
